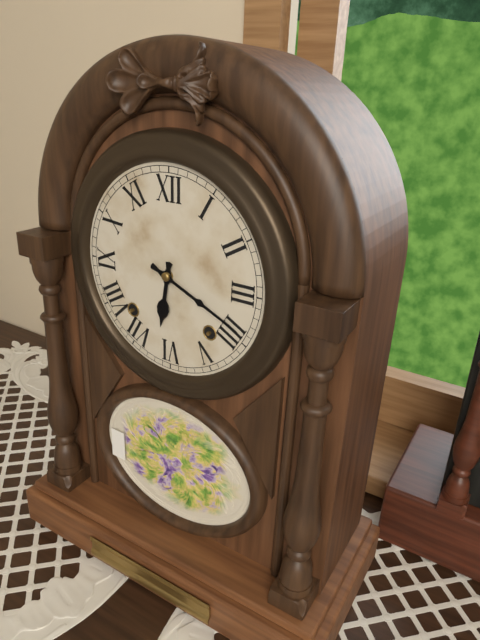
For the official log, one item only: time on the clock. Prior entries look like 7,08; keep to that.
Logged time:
6,19
